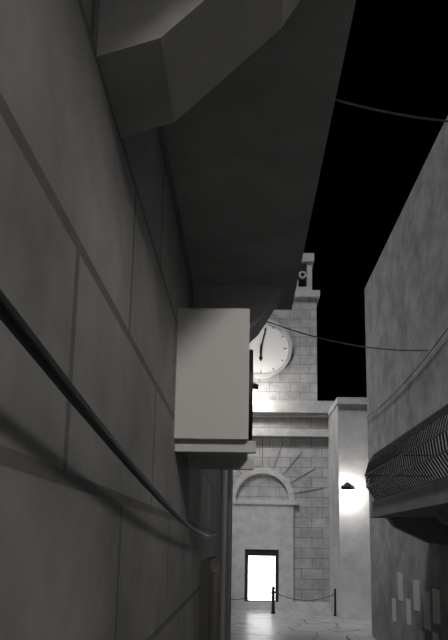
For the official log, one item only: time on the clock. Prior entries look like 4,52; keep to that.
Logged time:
6,02
